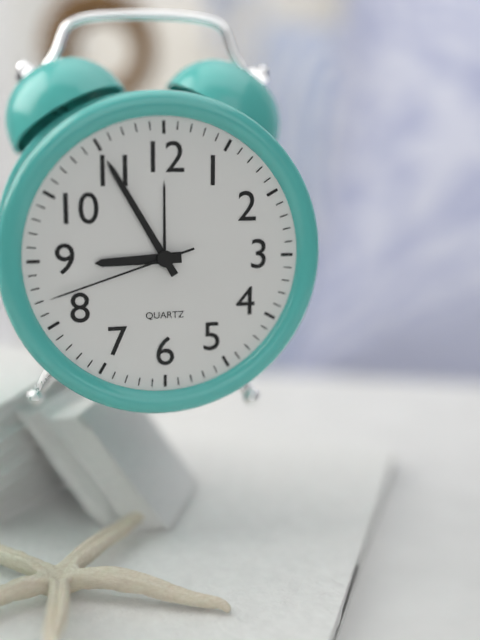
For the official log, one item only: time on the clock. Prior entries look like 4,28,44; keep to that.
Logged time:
8,55,42
